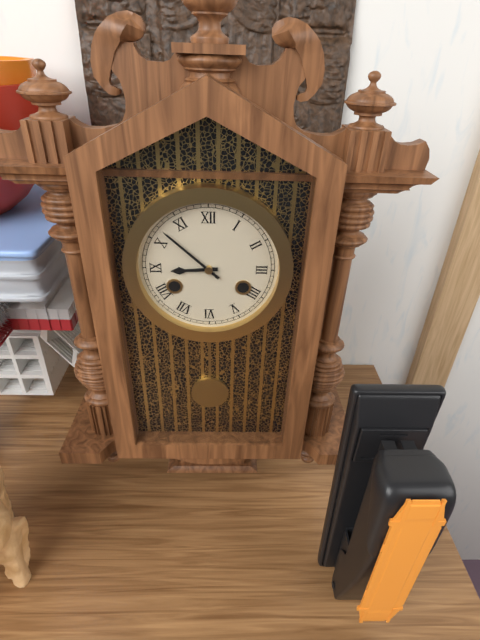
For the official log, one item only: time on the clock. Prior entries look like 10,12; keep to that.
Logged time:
8,52
